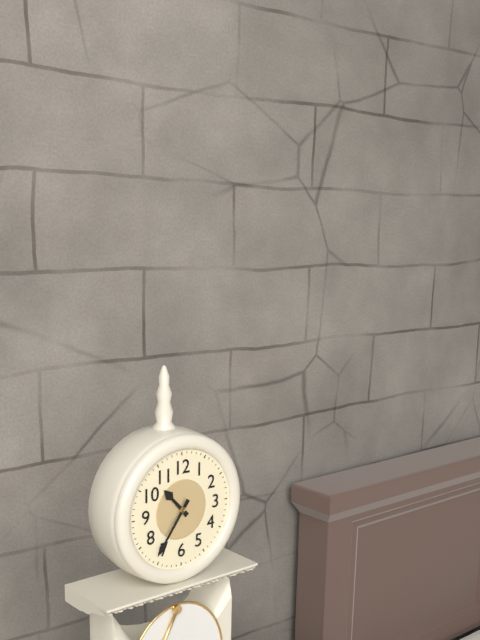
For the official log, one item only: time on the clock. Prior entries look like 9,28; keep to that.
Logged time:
10,36
